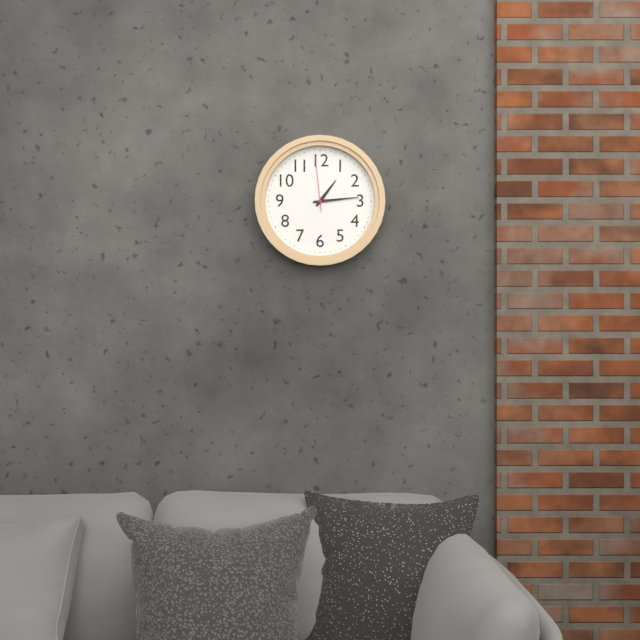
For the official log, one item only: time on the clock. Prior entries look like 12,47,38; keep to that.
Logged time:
1,14,59
